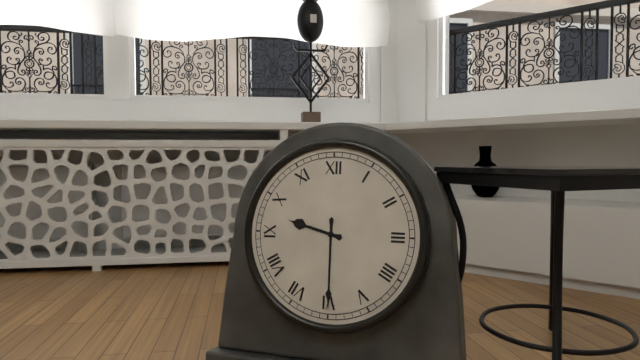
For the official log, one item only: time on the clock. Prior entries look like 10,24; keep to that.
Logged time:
9,30
